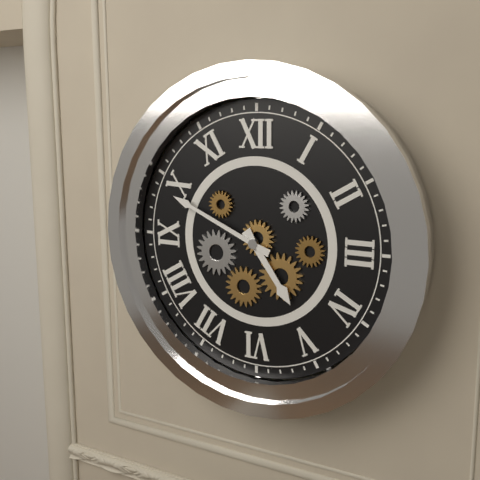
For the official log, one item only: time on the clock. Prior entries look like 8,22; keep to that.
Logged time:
4,49
